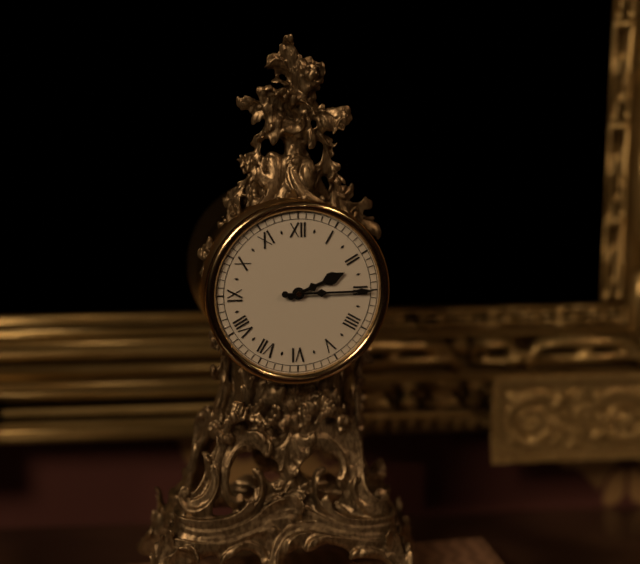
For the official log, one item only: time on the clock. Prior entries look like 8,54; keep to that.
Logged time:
2,15
